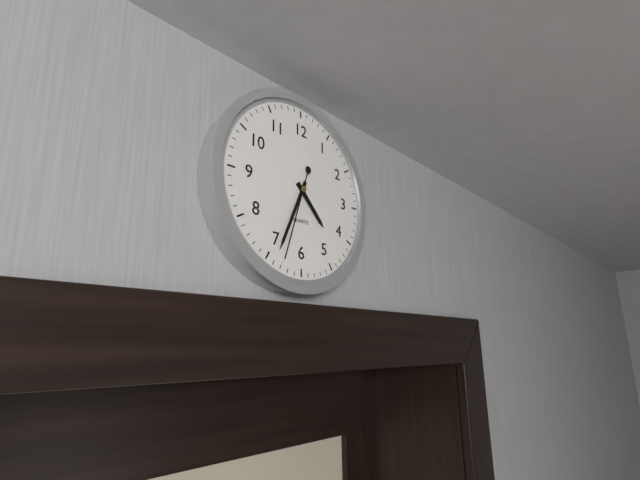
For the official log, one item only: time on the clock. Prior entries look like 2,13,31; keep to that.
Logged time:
4,34,33
